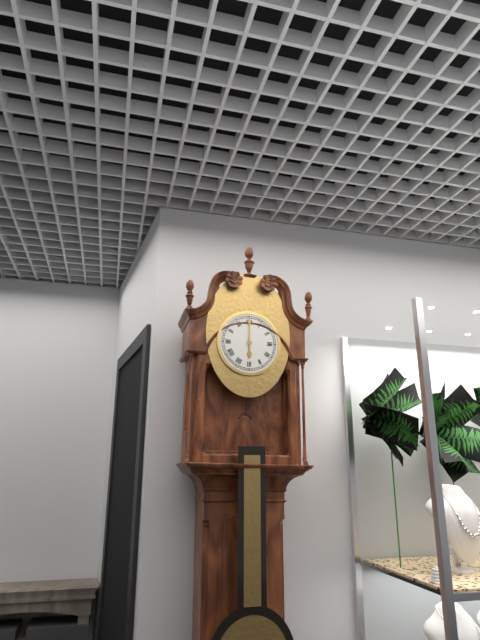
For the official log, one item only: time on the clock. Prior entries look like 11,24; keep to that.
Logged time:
6,00
